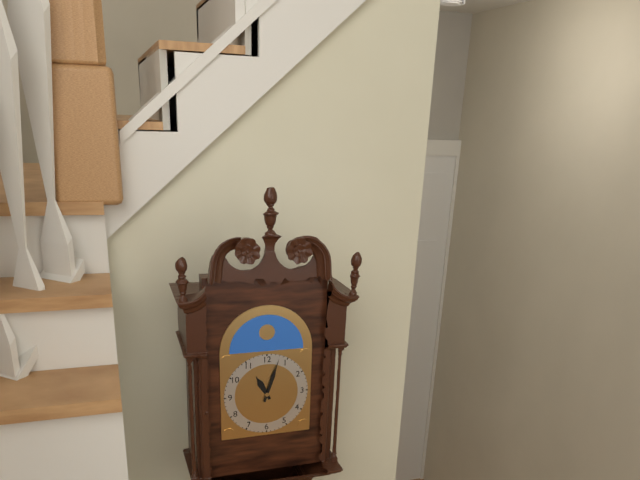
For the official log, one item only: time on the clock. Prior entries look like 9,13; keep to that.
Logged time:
11,03
